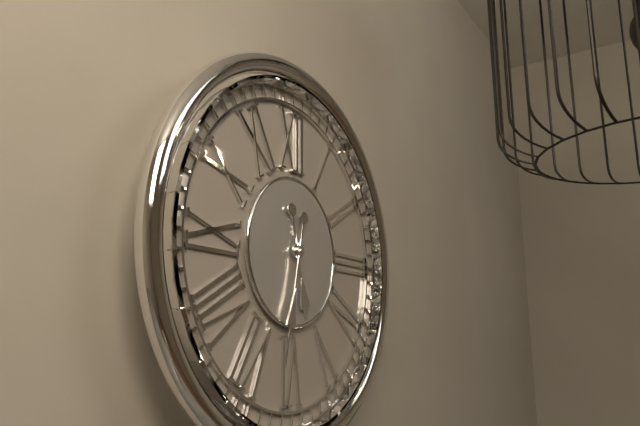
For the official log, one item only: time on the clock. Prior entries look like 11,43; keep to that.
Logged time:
5,32
